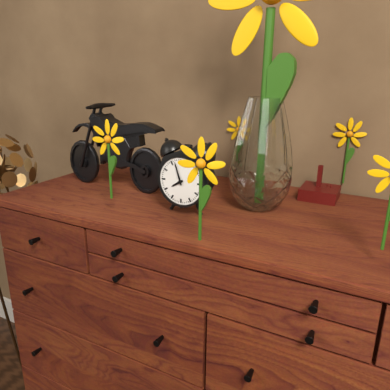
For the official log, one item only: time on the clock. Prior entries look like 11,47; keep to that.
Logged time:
7,57
